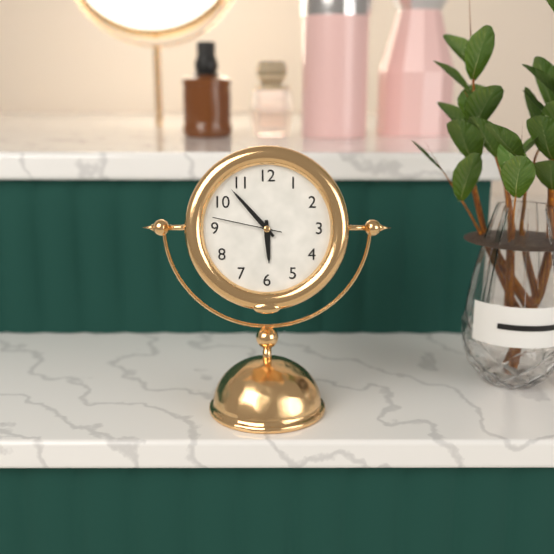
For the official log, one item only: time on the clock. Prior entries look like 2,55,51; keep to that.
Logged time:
5,53,47
